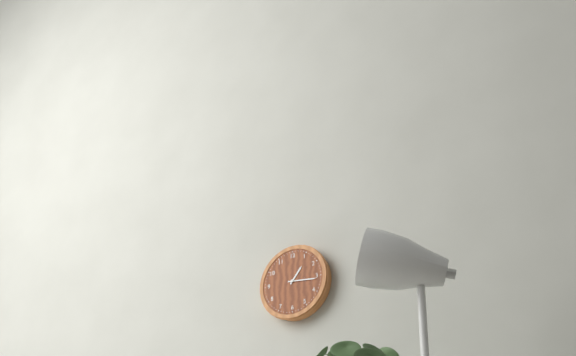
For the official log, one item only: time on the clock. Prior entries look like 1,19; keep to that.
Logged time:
1,16
